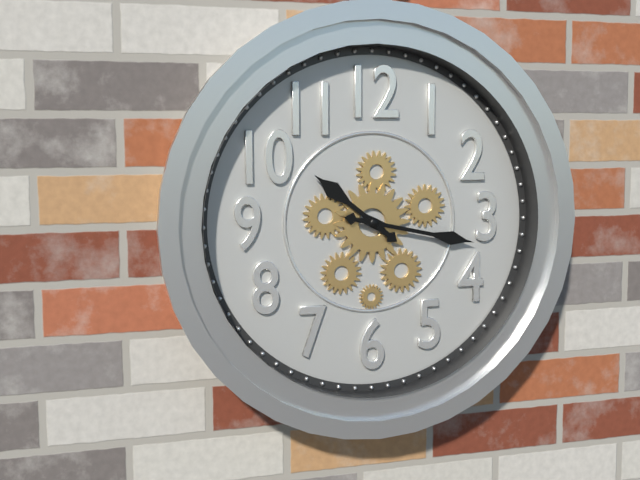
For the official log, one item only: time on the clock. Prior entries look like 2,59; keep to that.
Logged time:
10,17
